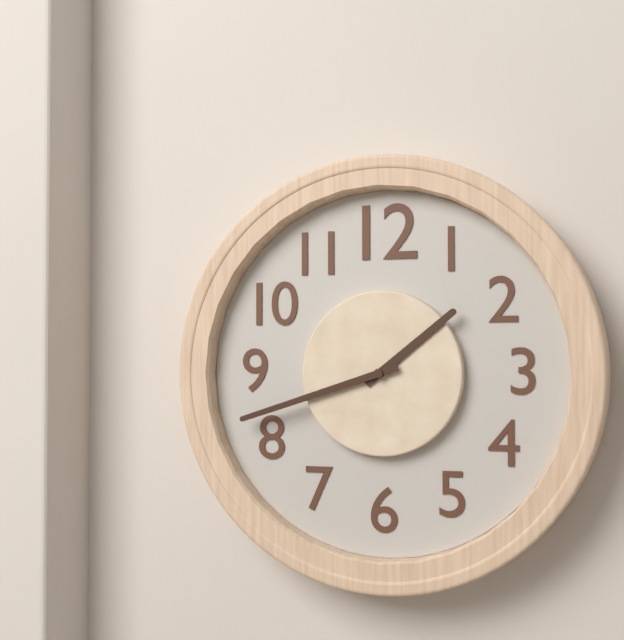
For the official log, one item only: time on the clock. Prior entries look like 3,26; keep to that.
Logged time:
1,42
